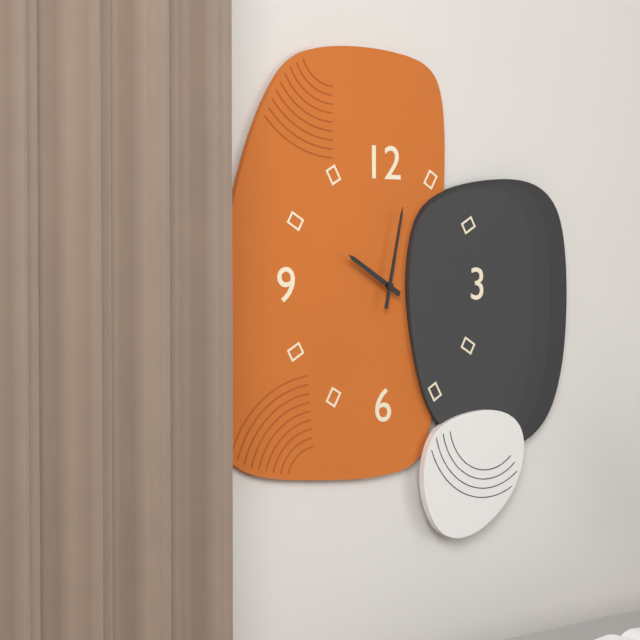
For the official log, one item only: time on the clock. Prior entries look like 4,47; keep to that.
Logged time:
10,02
